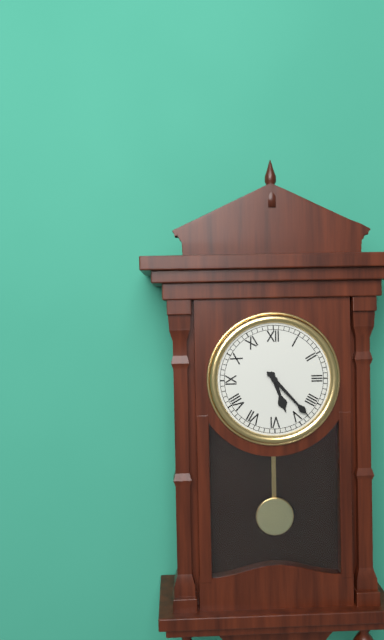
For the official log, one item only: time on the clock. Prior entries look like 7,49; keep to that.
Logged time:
5,23
